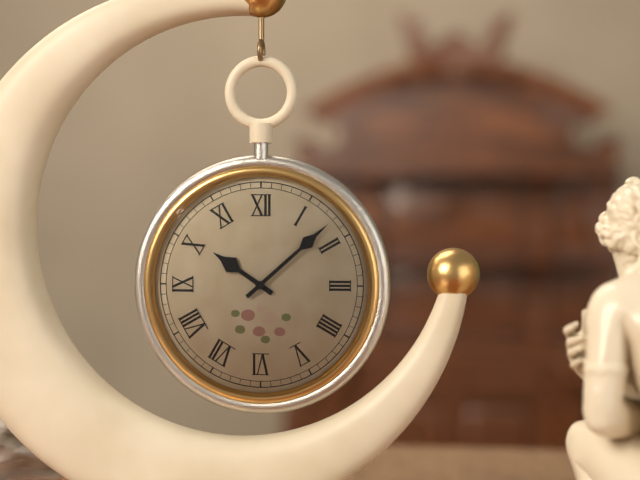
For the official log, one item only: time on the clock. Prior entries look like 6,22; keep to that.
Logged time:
10,08
